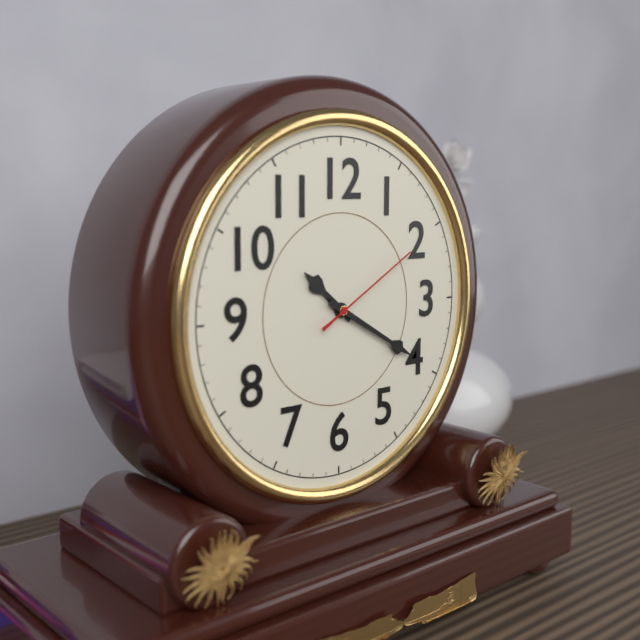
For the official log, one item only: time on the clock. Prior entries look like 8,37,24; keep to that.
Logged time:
10,20,10
